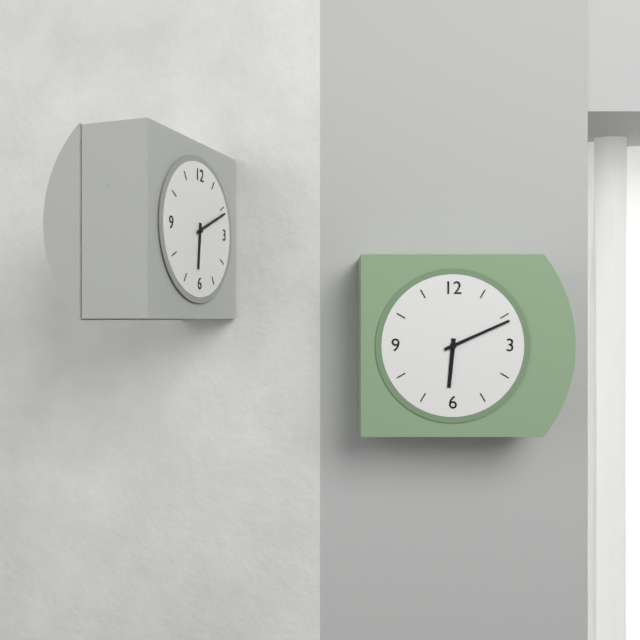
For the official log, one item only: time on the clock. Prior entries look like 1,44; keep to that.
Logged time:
6,11
